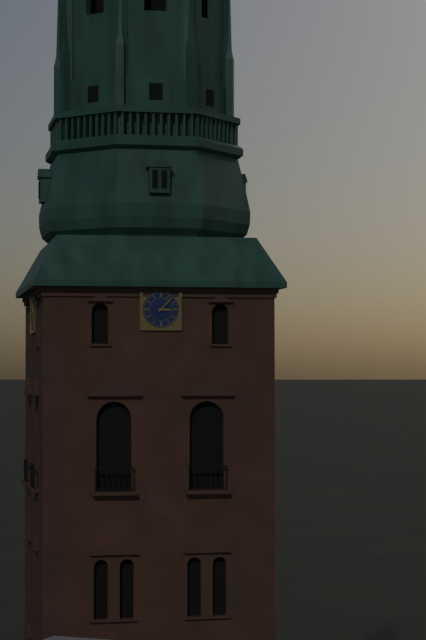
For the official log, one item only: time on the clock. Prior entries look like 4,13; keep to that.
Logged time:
3,07
